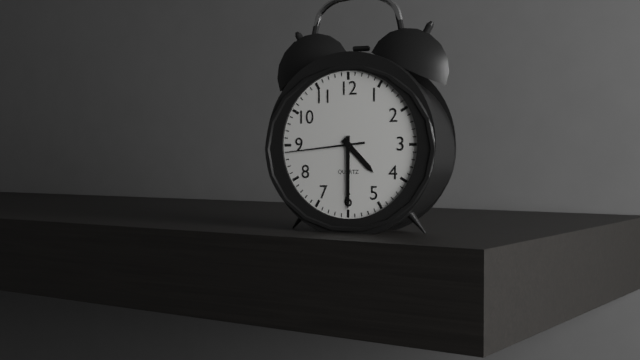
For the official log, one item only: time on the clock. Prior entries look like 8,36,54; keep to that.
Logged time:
4,30,44
